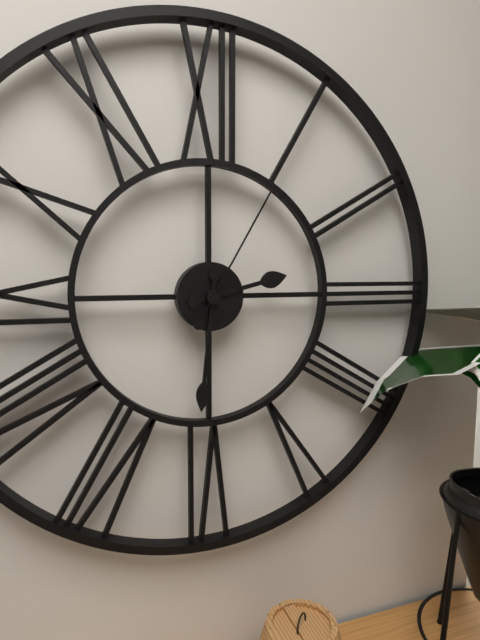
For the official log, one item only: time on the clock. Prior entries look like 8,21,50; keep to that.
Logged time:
2,31,05
